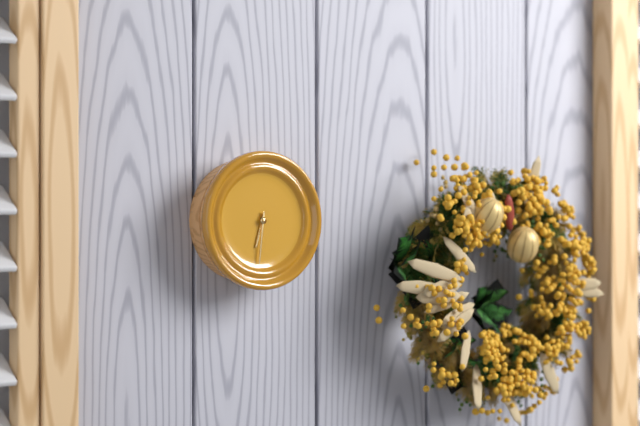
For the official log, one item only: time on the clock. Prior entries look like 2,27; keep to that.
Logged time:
6,31
